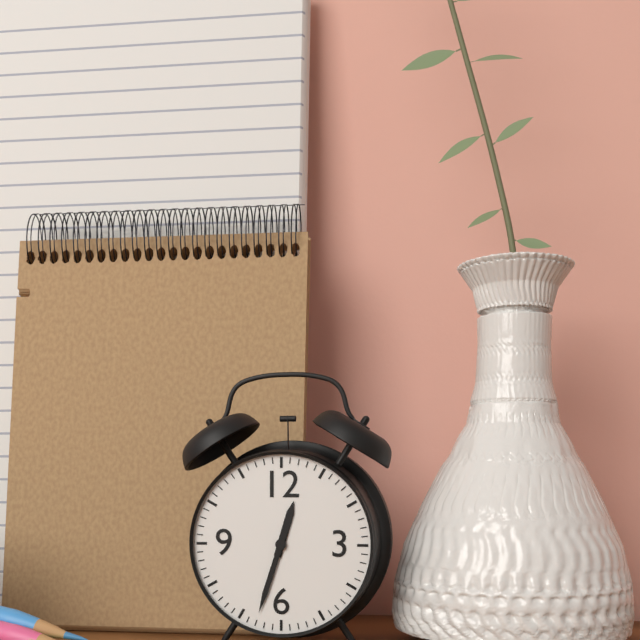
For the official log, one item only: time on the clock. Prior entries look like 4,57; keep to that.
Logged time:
12,33
